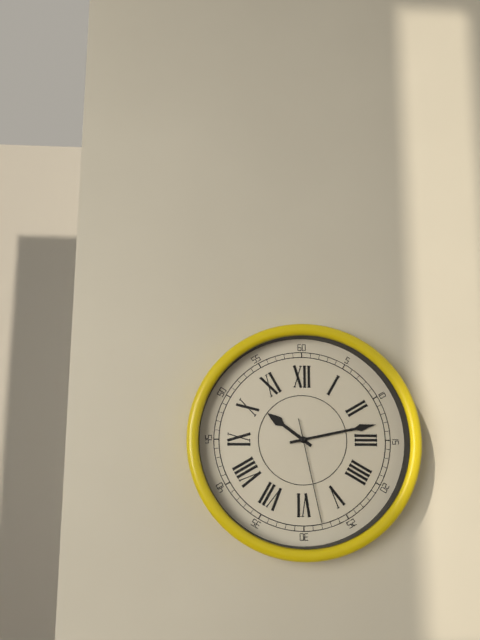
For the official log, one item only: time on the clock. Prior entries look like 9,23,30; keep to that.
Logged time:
10,13,28
